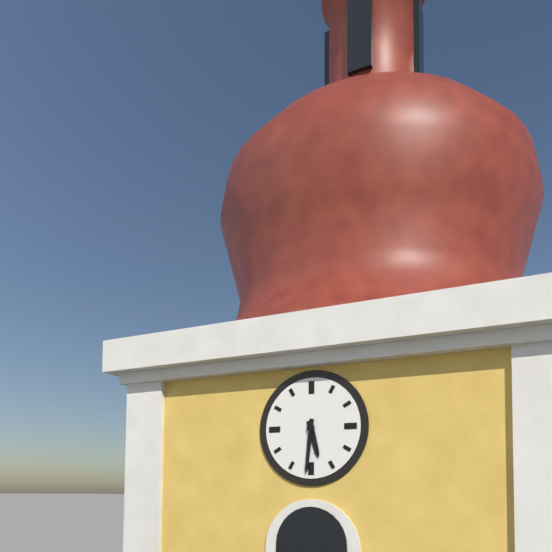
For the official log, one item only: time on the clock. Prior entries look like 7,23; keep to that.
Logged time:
5,31
